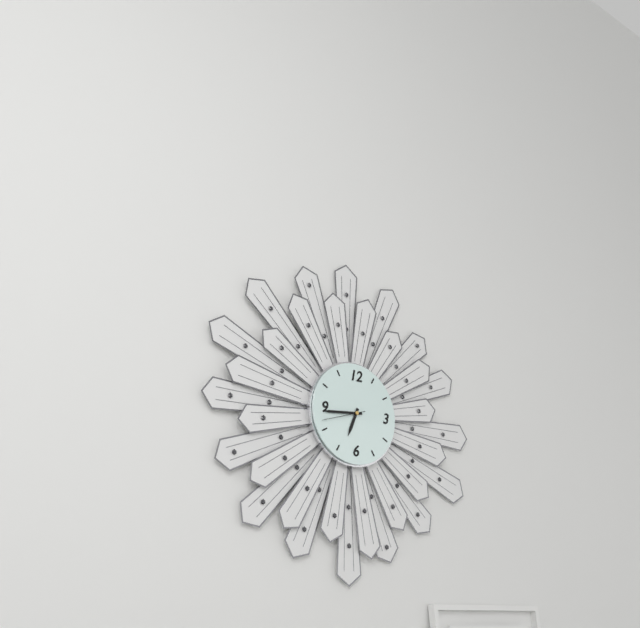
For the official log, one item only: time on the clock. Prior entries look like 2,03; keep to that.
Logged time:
6,44
